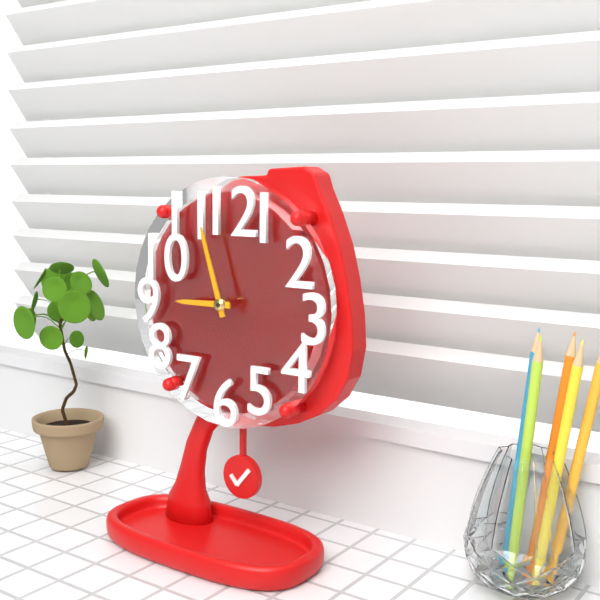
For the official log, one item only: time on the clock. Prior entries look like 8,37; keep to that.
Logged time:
8,57
